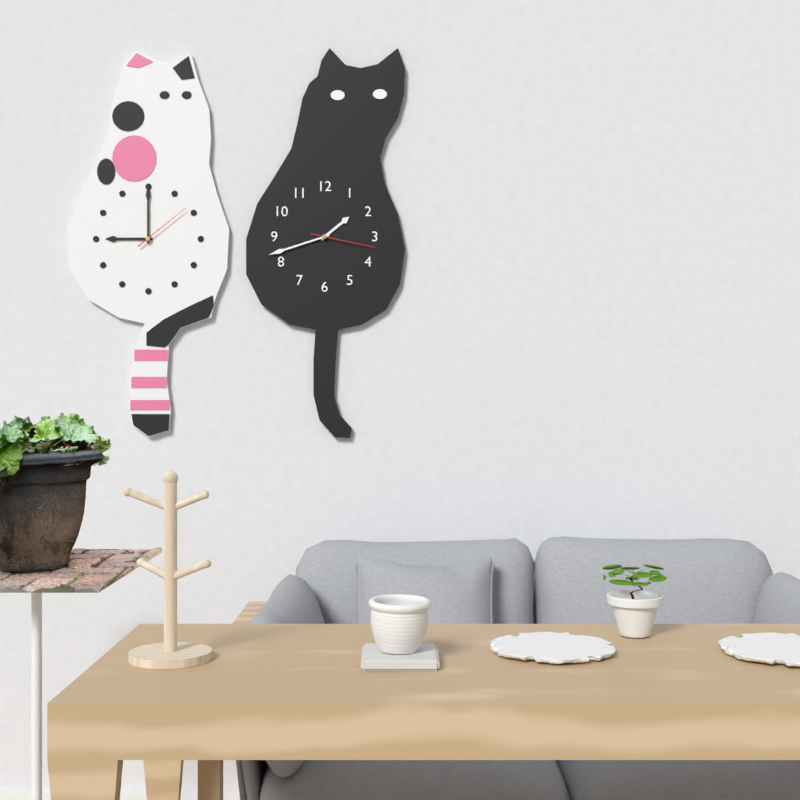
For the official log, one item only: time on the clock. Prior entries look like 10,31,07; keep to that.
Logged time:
1,42,17
